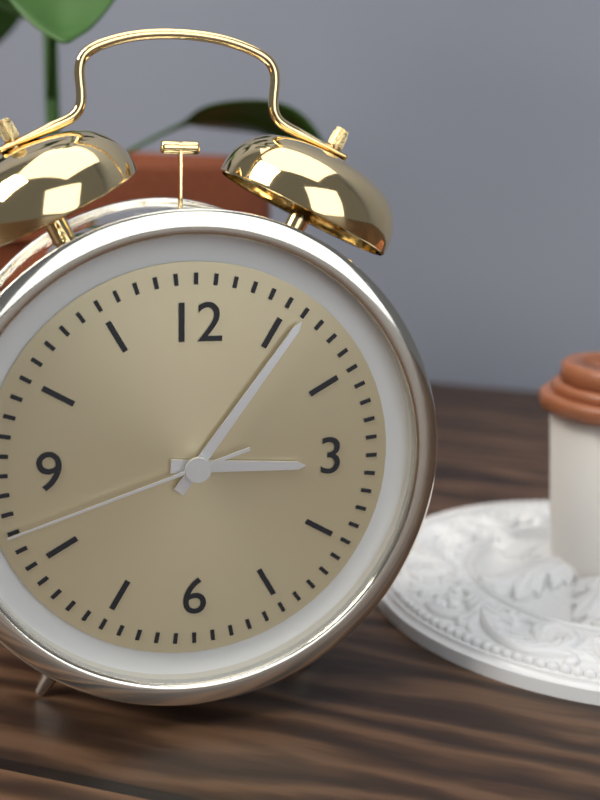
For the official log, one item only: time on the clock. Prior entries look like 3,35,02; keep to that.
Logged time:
3,06,42
